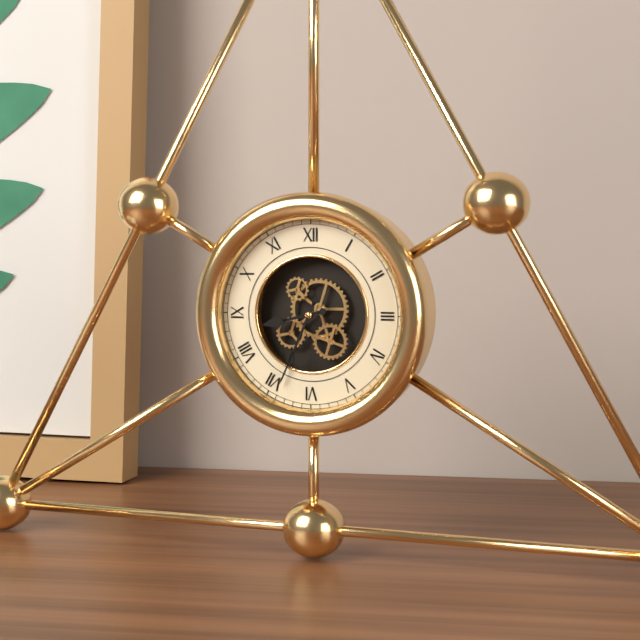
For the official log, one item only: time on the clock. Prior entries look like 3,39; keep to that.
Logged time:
8,34
